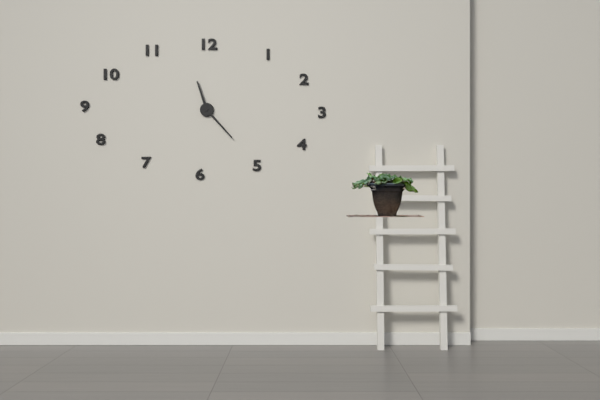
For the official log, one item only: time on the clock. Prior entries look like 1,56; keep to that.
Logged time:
11,23
